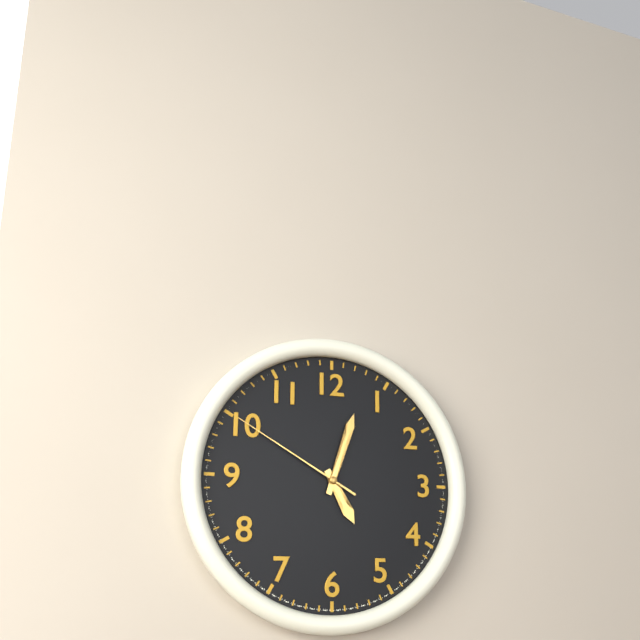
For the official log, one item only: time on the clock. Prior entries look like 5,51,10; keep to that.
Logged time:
5,03,50
